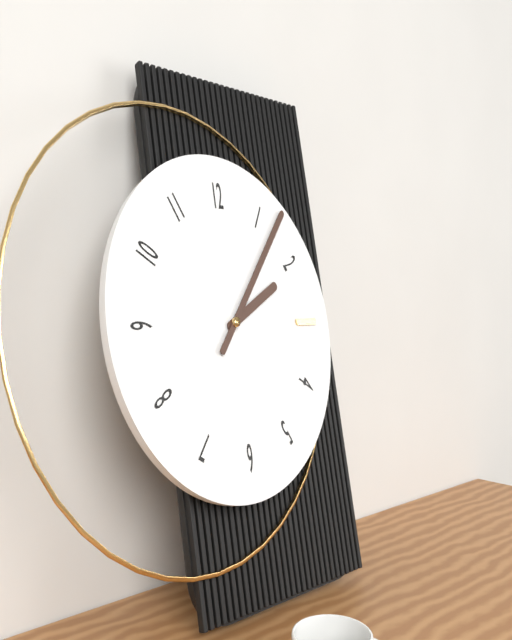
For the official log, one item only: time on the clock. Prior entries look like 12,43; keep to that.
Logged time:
2,07
